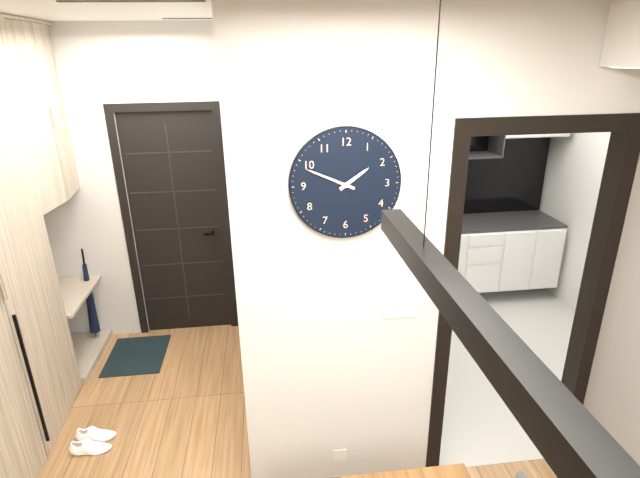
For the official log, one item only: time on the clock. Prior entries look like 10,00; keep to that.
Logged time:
1,49
